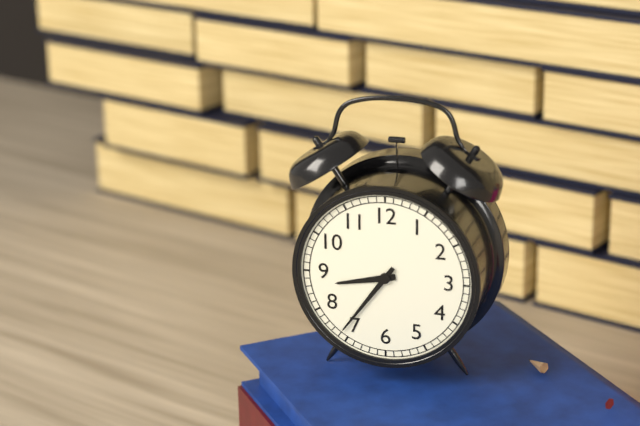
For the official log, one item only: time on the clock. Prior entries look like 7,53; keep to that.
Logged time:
8,36
